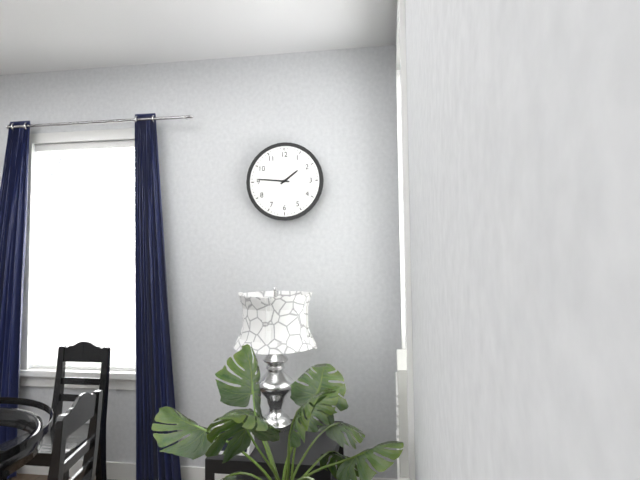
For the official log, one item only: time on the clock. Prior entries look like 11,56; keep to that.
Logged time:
1,46
